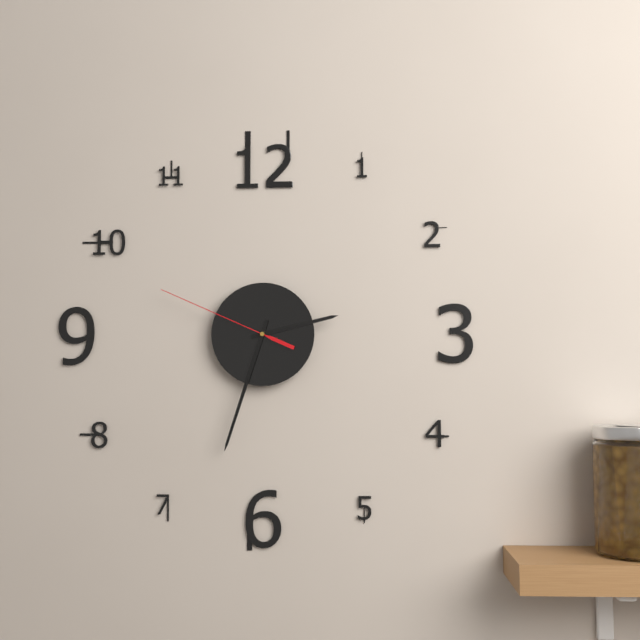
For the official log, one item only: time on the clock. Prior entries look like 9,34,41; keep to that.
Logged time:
2,33,49
